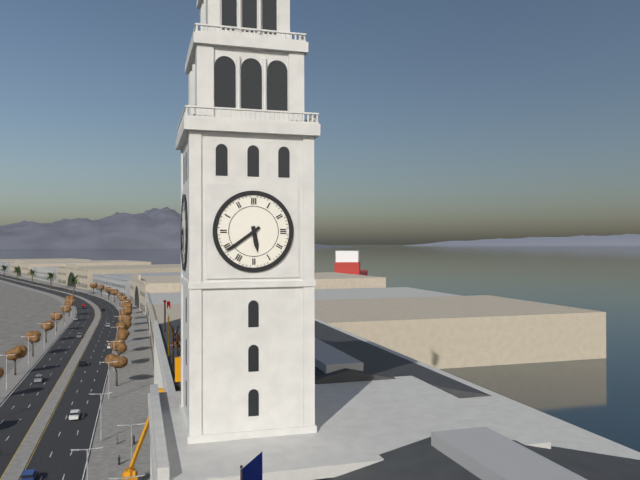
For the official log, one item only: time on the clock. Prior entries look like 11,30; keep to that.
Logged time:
5,39
